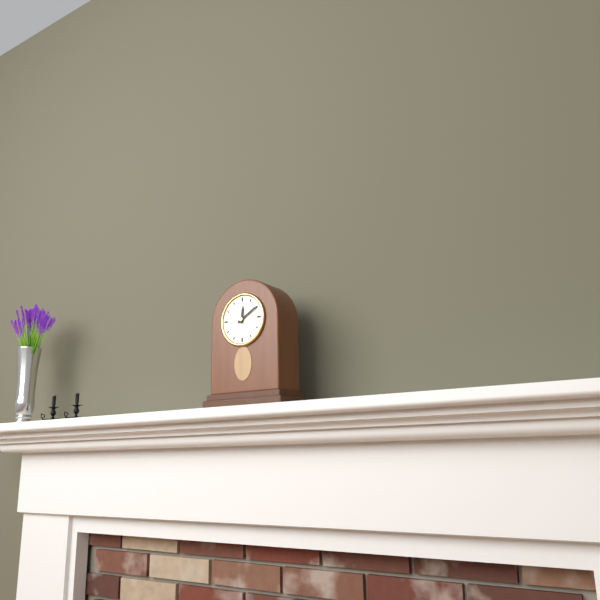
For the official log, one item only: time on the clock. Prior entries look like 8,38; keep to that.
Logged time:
12,10
